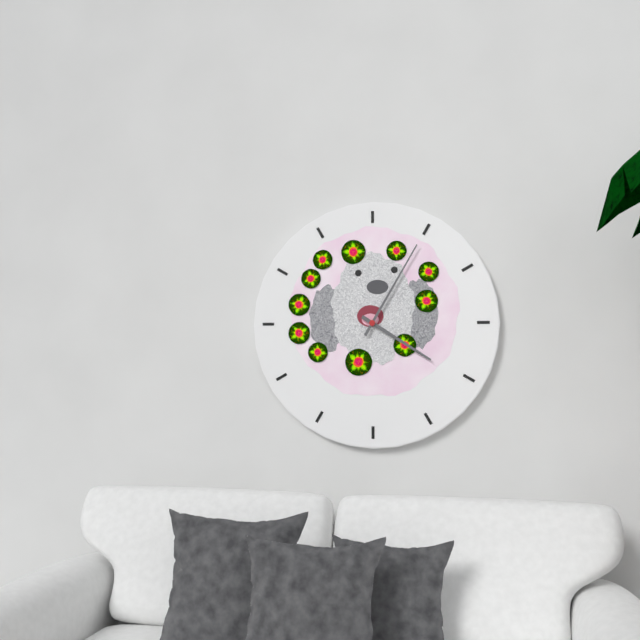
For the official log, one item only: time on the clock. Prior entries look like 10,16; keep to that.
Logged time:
4,05
